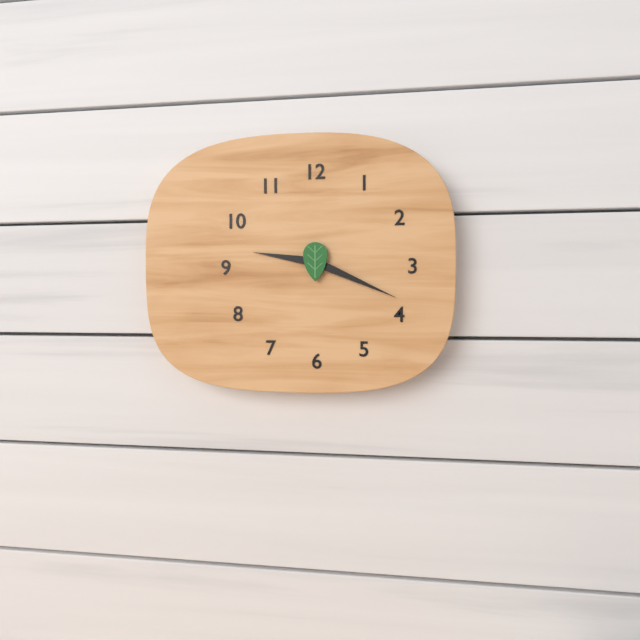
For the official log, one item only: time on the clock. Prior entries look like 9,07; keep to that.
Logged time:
9,19
